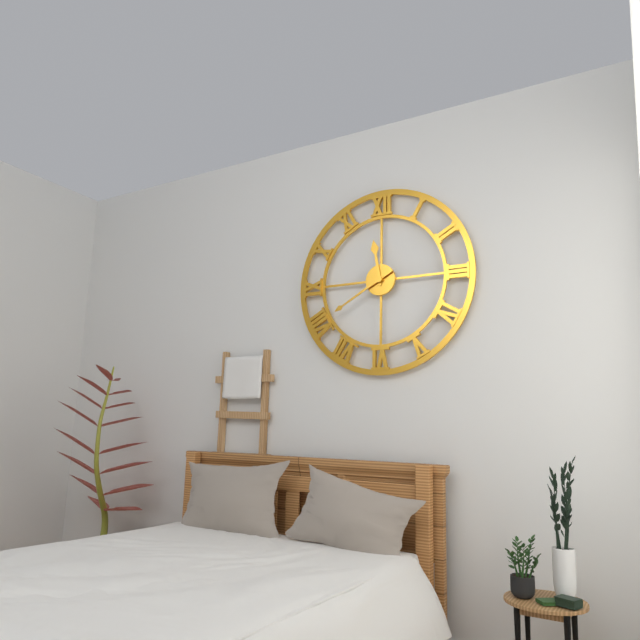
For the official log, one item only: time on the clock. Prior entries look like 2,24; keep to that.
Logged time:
11,40
